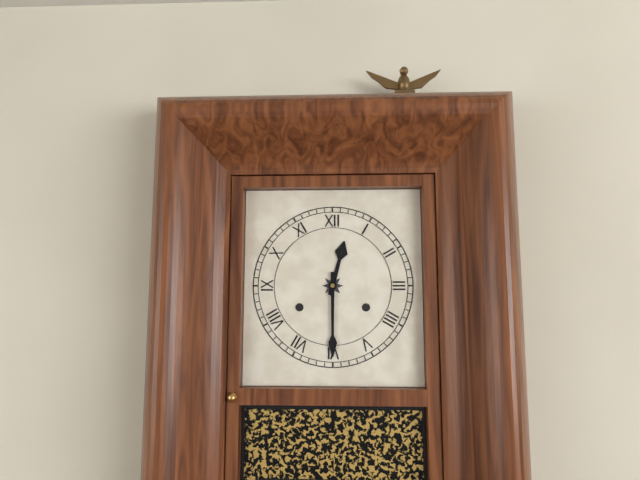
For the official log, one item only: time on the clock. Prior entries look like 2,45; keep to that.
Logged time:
12,30
